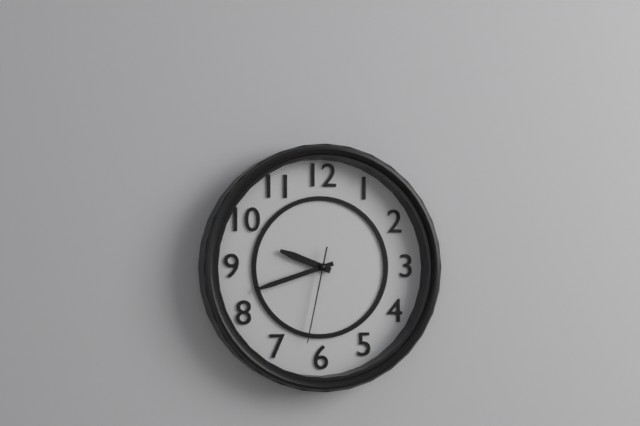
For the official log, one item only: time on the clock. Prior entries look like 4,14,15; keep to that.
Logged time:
9,42,32
